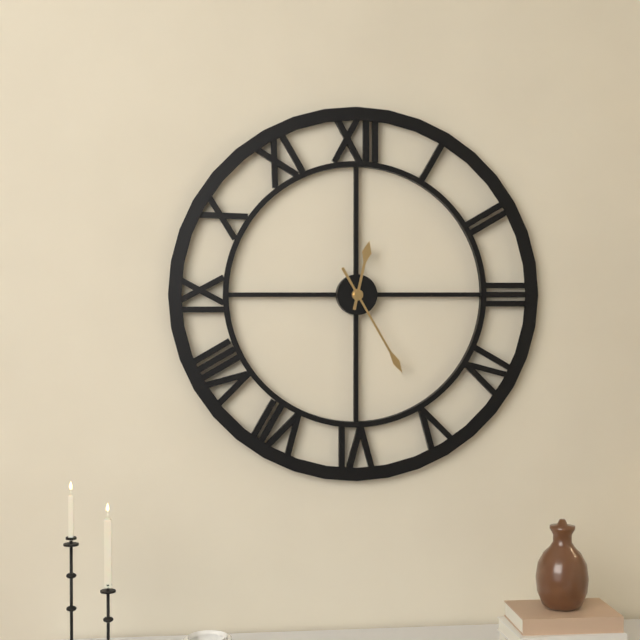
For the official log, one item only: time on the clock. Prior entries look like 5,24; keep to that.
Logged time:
12,25
